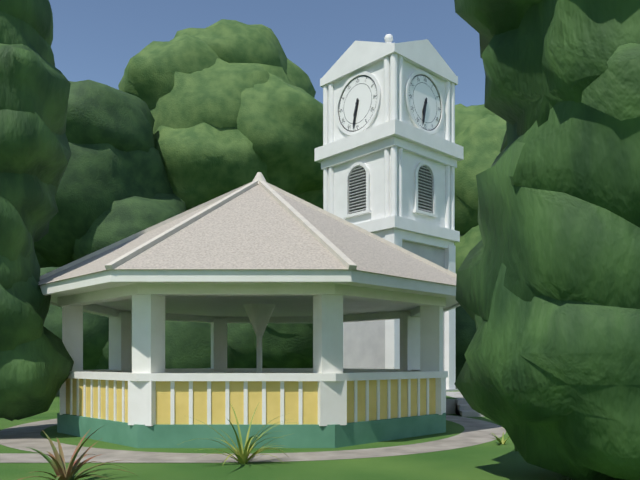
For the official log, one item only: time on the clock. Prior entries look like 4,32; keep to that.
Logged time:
6,32
